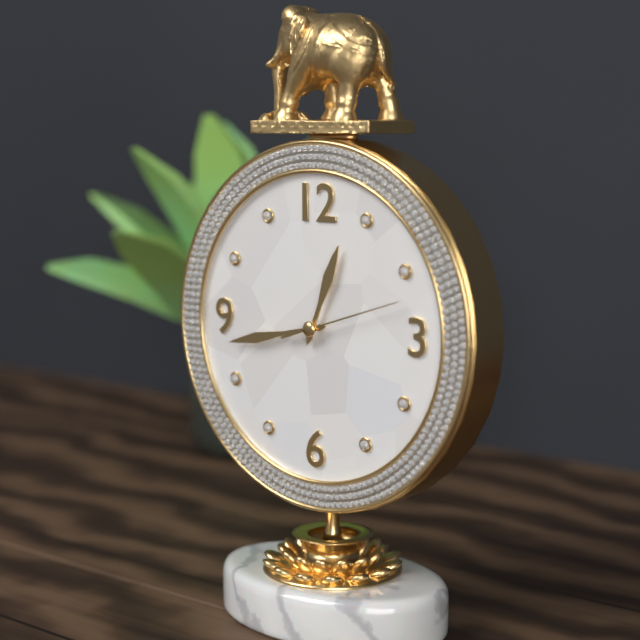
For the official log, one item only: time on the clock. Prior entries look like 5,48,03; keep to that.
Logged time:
12,43,12
